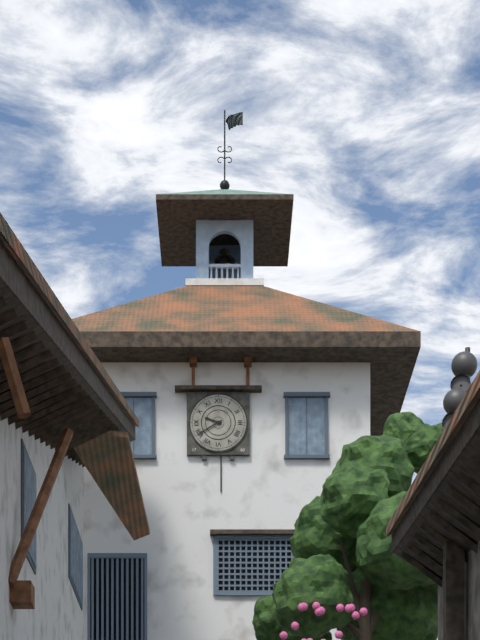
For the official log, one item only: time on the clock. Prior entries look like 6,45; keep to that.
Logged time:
9,40
